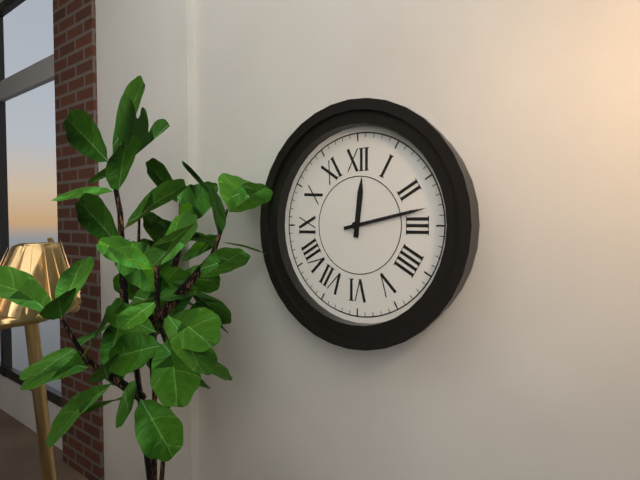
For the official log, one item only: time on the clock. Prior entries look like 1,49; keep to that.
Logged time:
12,13
